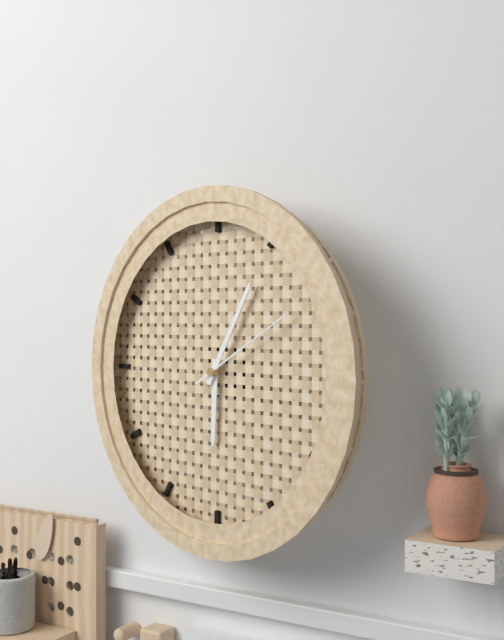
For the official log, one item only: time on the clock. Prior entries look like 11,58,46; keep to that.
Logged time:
6,05,10
